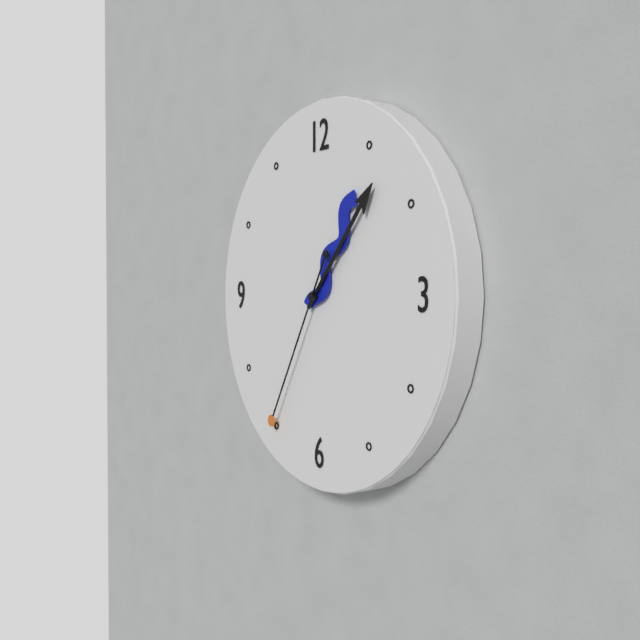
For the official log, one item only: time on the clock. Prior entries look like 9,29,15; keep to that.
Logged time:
1,07,35
